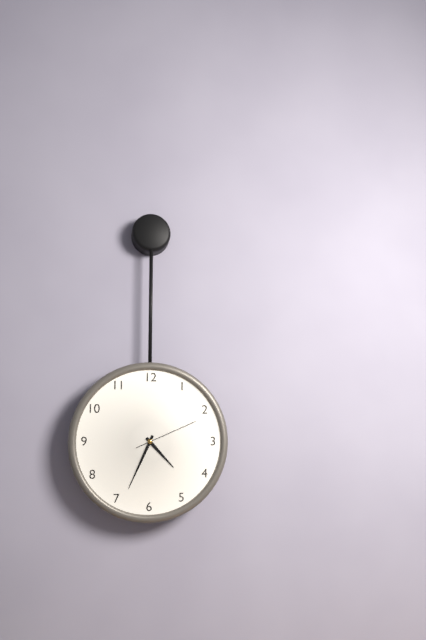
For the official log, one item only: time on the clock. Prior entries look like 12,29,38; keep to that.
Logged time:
4,34,11
